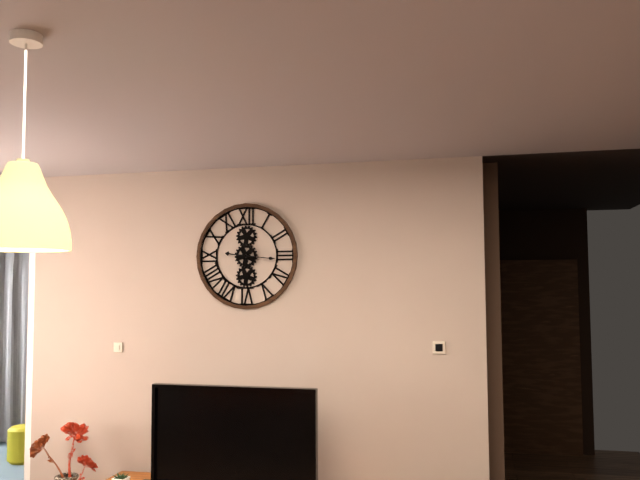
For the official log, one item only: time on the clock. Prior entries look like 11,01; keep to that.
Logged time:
9,16
